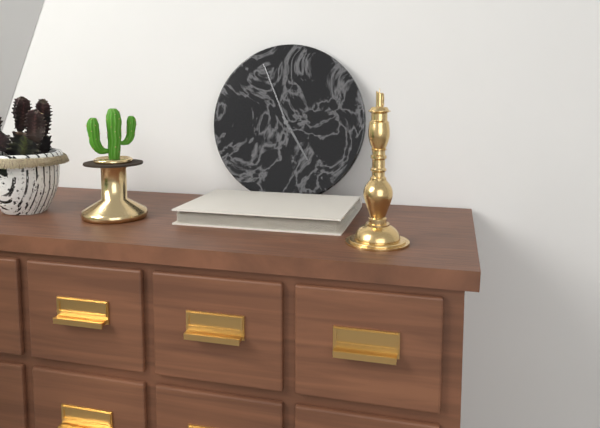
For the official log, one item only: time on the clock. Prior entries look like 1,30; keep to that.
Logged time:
4,56
